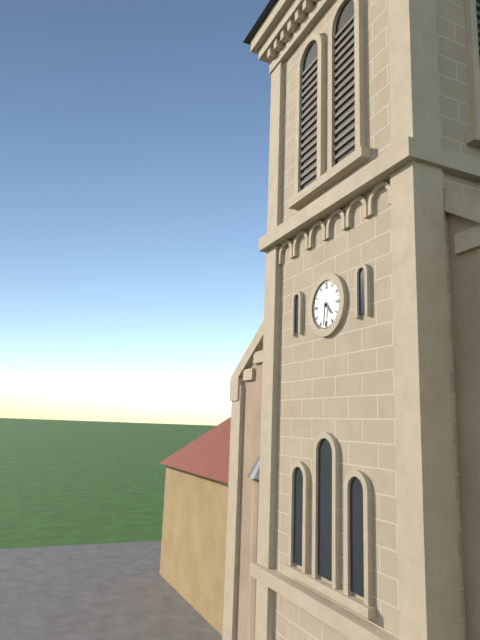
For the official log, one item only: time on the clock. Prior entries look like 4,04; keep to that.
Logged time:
4,31
